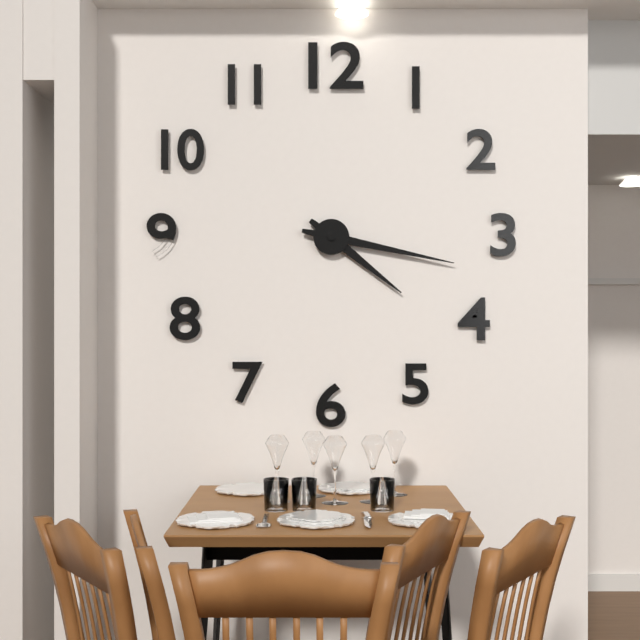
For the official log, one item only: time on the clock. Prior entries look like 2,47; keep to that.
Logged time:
4,17
